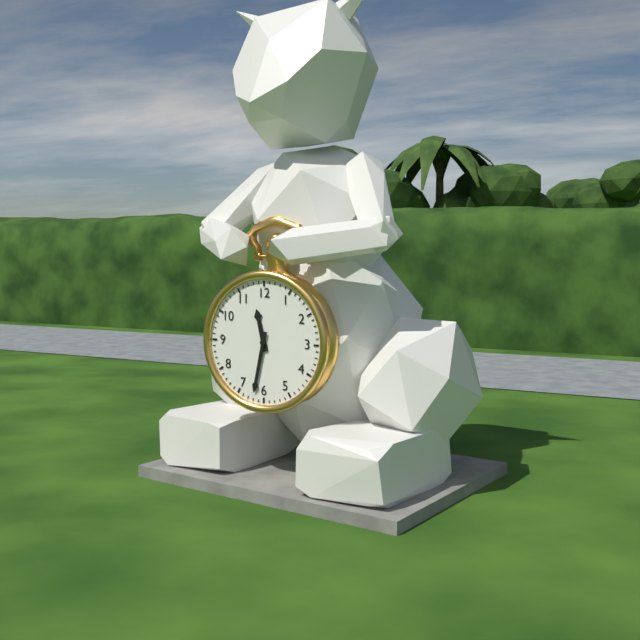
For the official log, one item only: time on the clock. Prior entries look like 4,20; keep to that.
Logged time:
11,32
